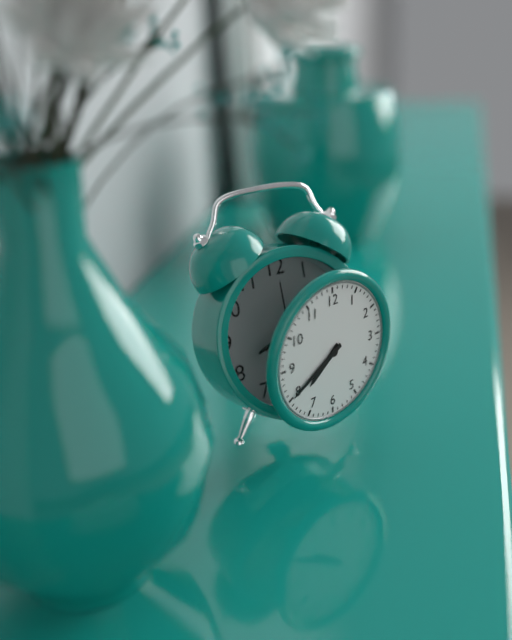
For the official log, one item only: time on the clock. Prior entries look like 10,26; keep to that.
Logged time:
7,40
